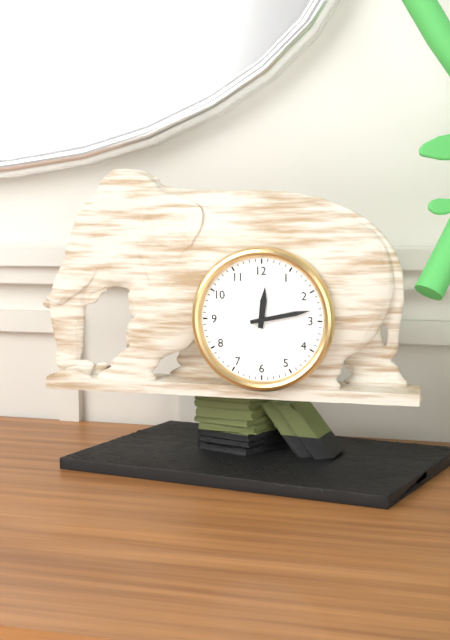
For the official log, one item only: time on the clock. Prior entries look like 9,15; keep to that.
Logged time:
12,13
